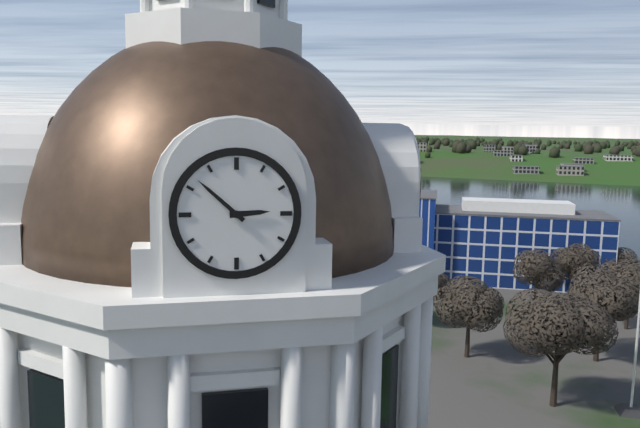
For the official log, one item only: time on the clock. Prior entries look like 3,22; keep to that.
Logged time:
2,52
